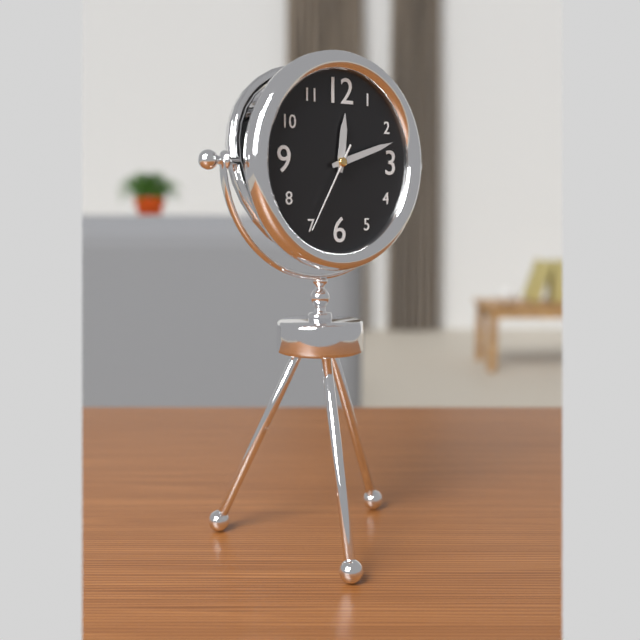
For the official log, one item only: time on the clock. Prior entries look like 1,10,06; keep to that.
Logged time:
12,12,35
